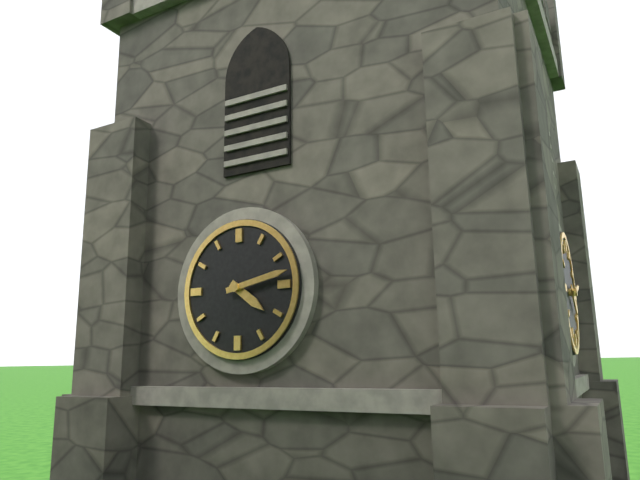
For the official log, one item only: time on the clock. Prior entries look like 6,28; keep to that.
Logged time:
4,13
